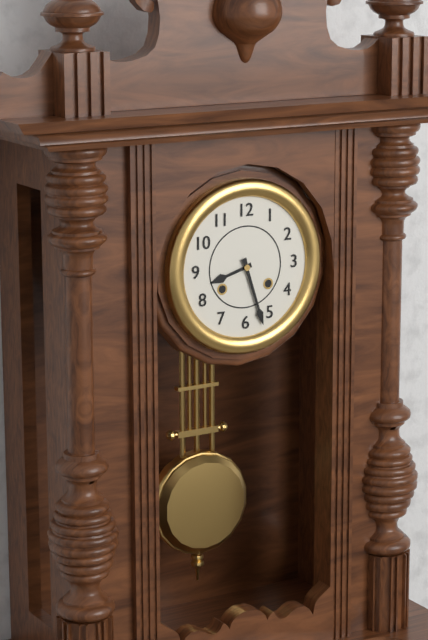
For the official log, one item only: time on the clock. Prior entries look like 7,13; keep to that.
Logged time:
8,27
